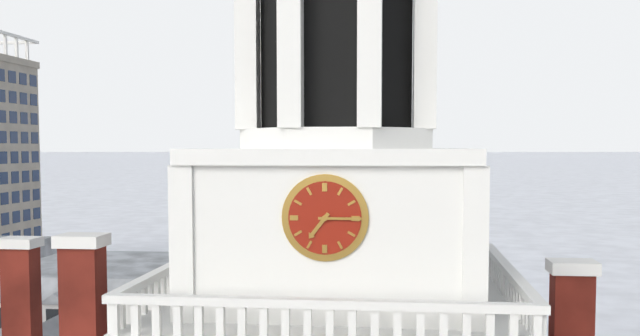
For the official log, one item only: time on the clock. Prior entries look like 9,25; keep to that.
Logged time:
7,15
